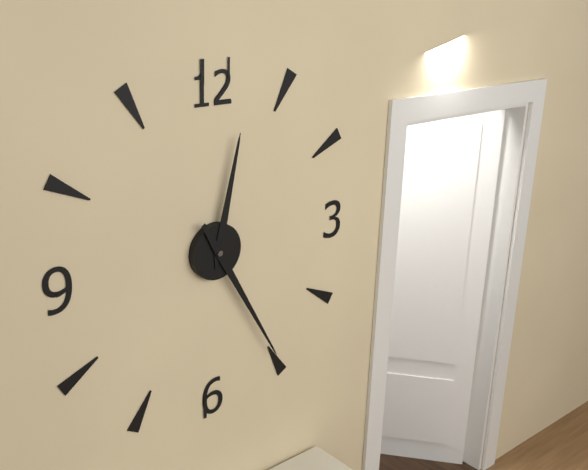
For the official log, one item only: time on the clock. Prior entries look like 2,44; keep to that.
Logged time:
12,25
